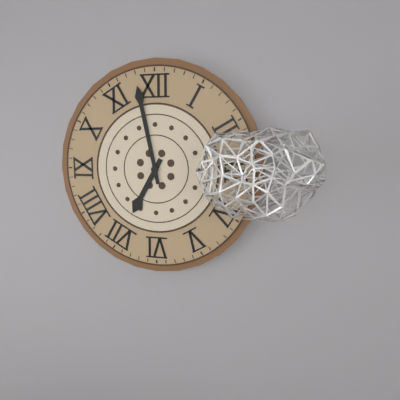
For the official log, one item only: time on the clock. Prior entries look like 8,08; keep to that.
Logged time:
6,58
